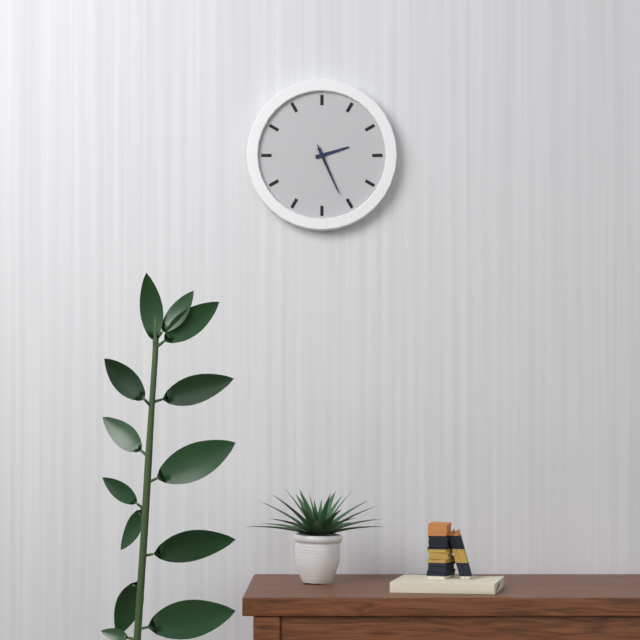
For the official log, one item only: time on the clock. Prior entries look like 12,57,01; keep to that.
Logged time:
2,26,26
